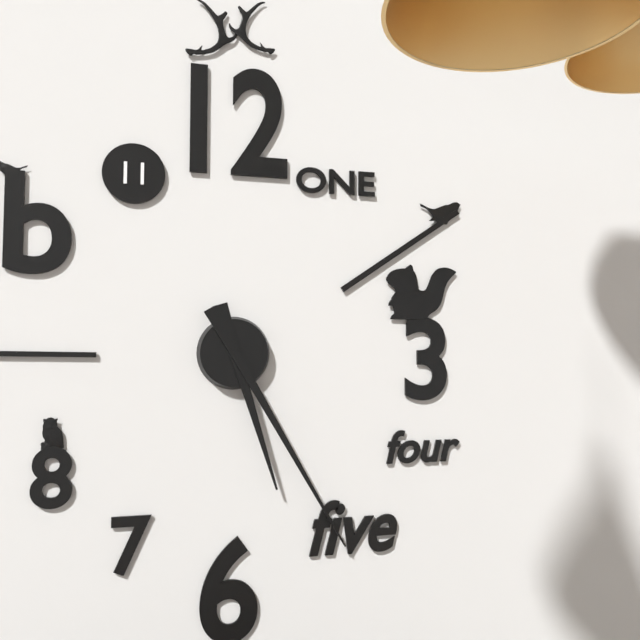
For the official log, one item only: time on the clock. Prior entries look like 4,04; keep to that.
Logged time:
5,25
